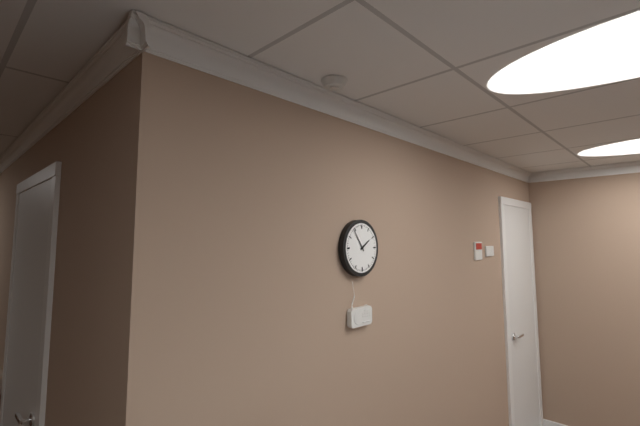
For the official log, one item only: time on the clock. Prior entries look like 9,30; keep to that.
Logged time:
1,54
